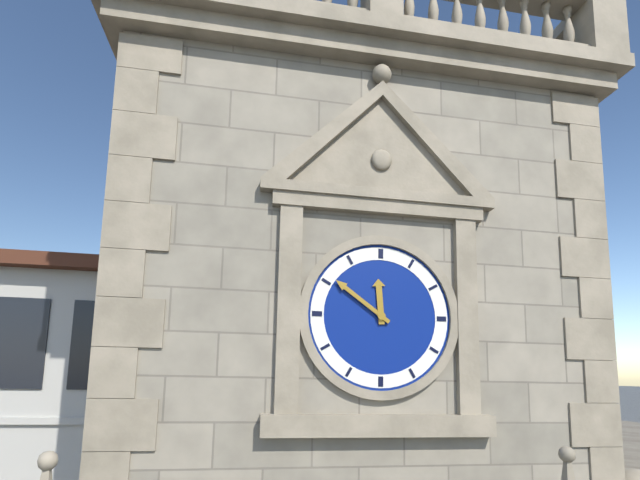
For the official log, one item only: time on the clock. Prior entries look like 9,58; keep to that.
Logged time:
11,51
